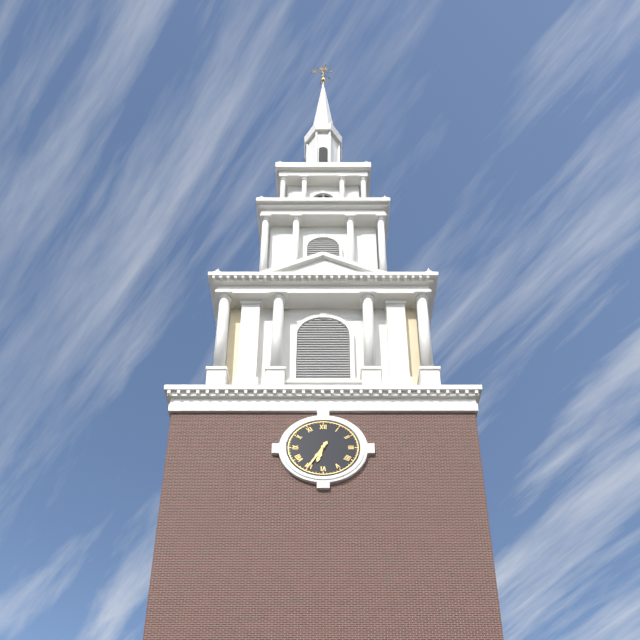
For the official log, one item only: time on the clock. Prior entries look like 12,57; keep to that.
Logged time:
6,35
